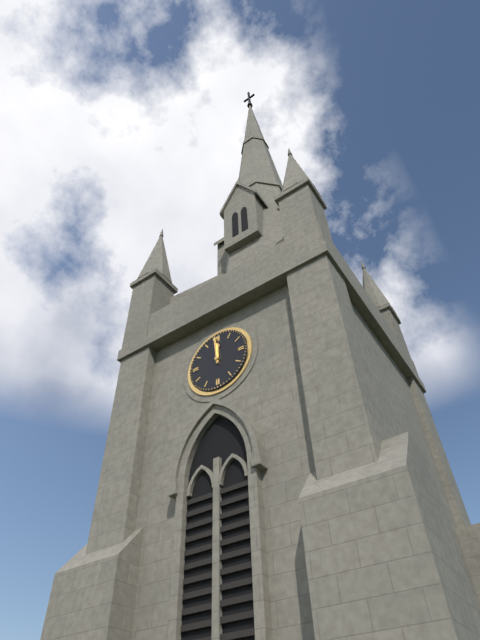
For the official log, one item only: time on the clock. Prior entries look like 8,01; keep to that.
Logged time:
11,59
